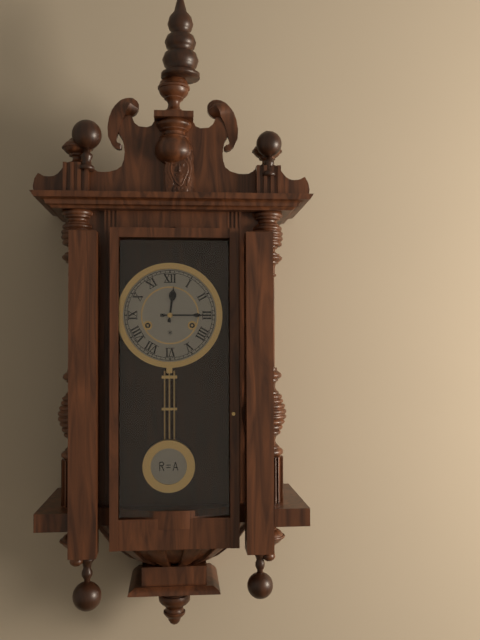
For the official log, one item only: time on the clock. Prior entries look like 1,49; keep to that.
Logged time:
12,15
